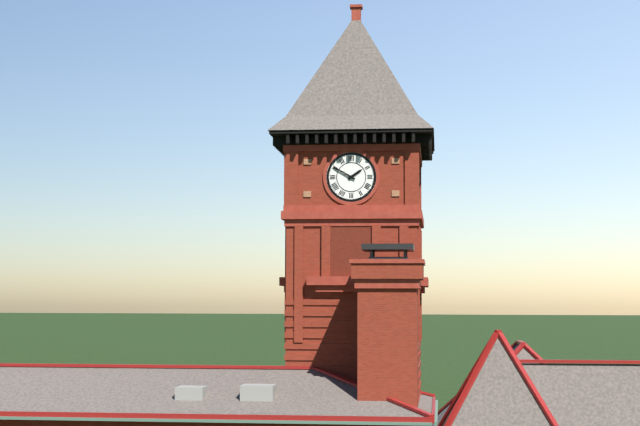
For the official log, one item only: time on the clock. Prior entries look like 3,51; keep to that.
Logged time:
1,50
